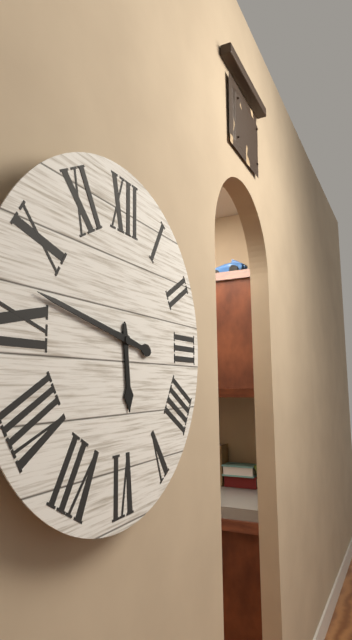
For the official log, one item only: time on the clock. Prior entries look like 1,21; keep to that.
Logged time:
5,47
